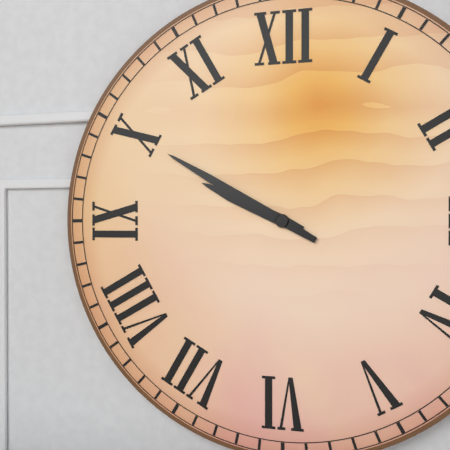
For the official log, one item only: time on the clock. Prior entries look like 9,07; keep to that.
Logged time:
9,50
